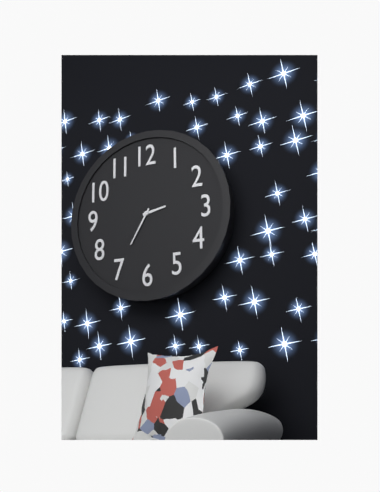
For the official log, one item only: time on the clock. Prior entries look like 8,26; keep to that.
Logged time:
2,35
